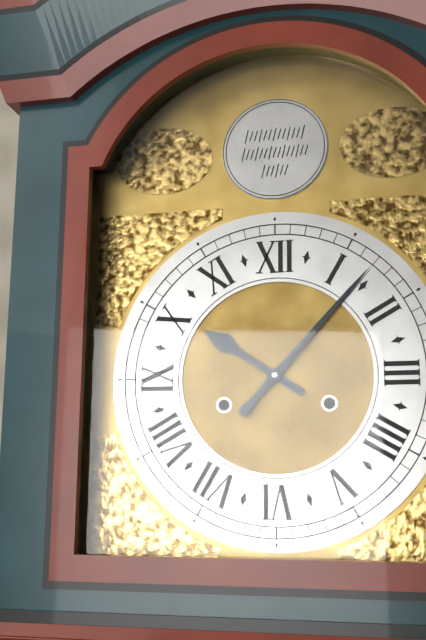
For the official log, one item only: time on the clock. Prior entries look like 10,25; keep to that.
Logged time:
10,07
